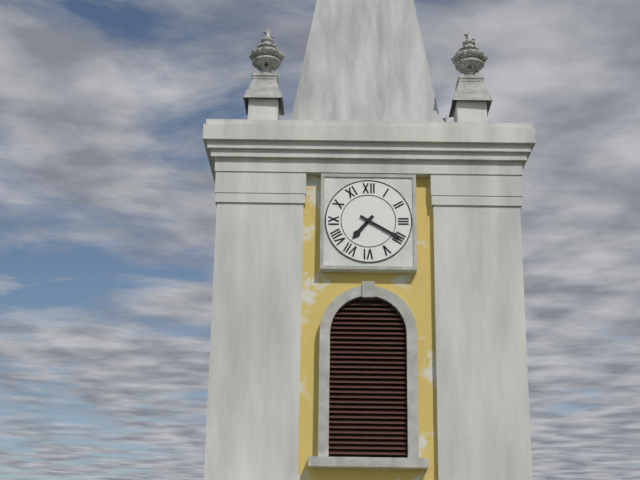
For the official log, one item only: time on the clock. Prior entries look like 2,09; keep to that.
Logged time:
7,20
